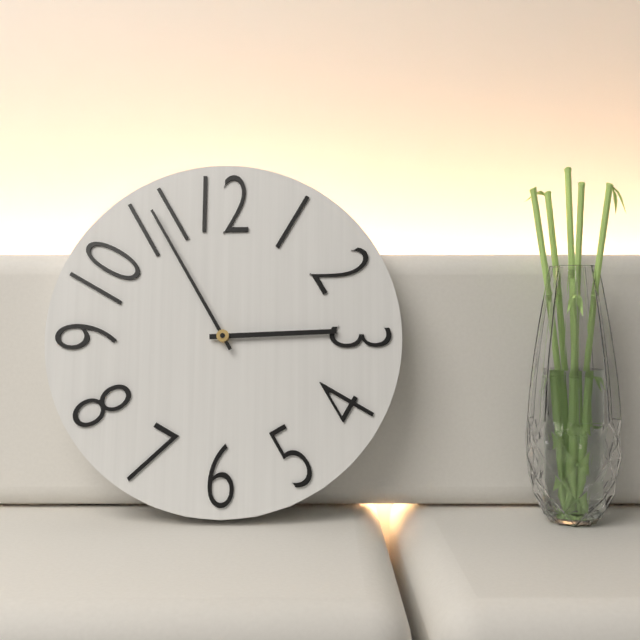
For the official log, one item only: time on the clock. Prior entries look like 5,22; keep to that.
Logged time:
2,55
